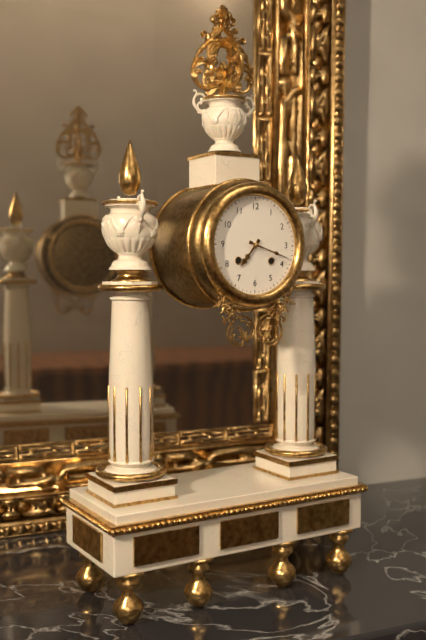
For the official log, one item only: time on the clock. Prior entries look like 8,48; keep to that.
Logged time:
7,18
